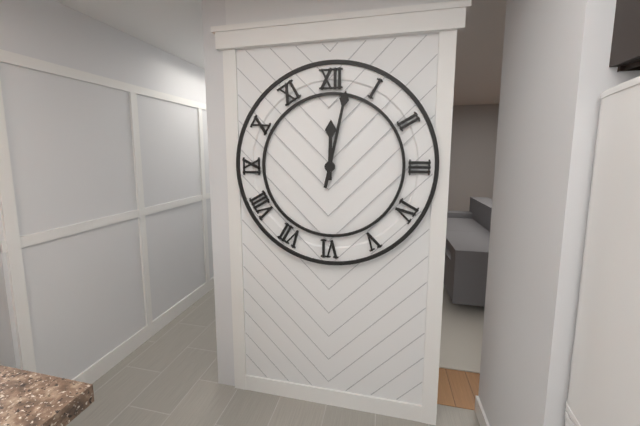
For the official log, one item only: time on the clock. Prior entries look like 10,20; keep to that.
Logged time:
12,02
